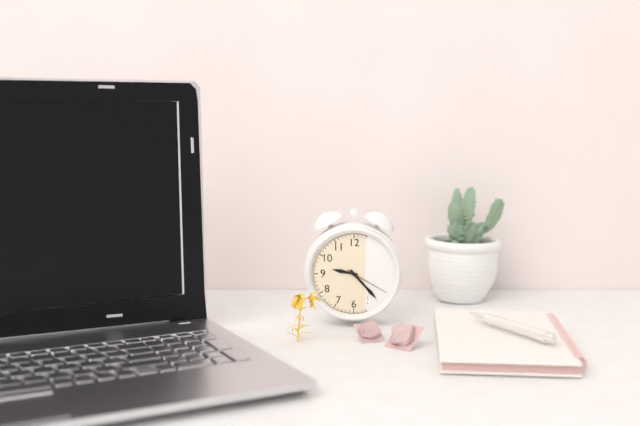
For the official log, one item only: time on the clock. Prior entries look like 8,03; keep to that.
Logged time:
9,23
